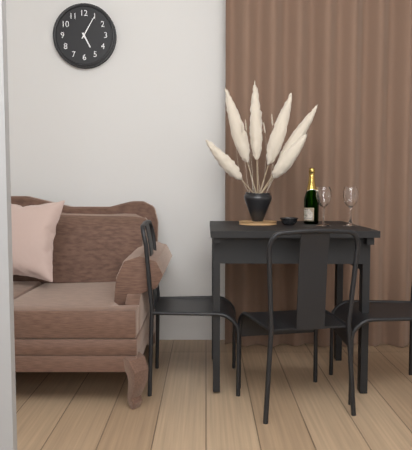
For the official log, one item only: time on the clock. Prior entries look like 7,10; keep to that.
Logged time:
5,05
